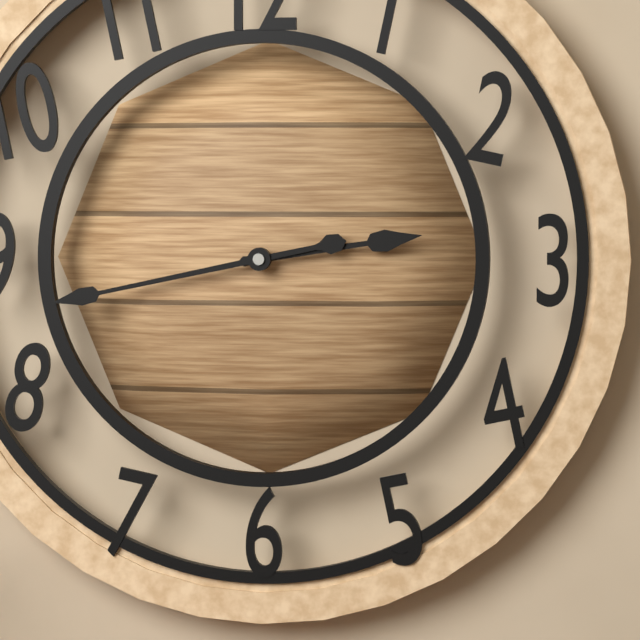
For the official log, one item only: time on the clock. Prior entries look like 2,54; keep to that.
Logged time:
2,43
